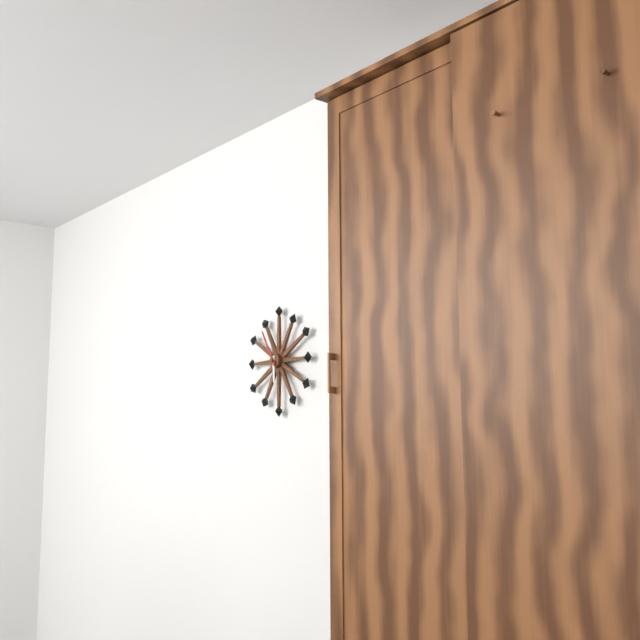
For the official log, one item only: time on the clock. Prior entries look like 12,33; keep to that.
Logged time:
5,55
